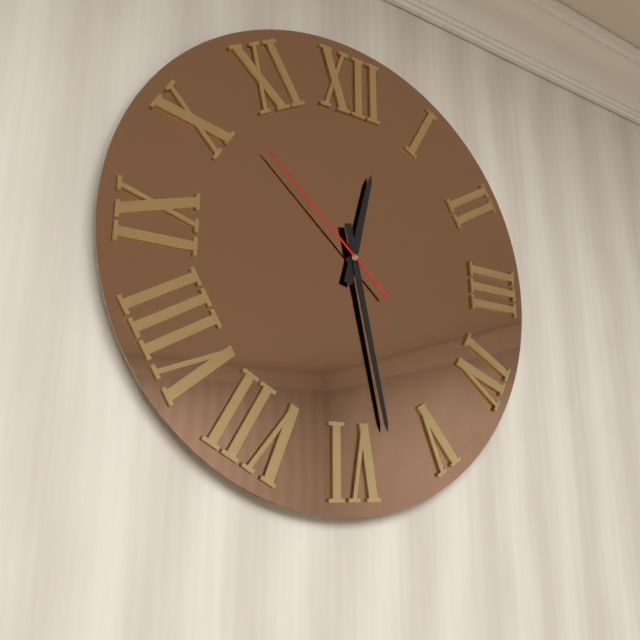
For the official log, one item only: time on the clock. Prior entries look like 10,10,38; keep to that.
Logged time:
12,28,52
